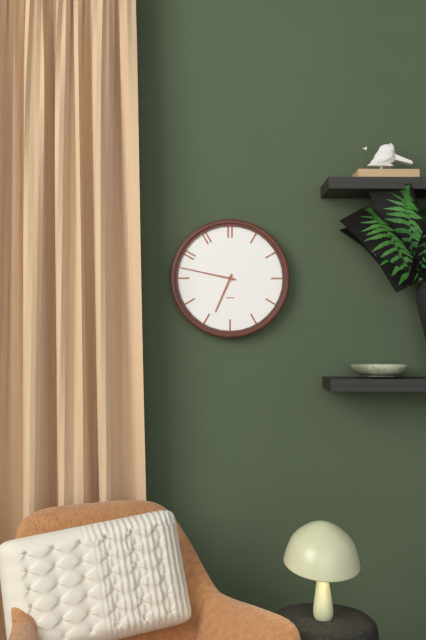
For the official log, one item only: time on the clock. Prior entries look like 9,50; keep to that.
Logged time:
6,47
